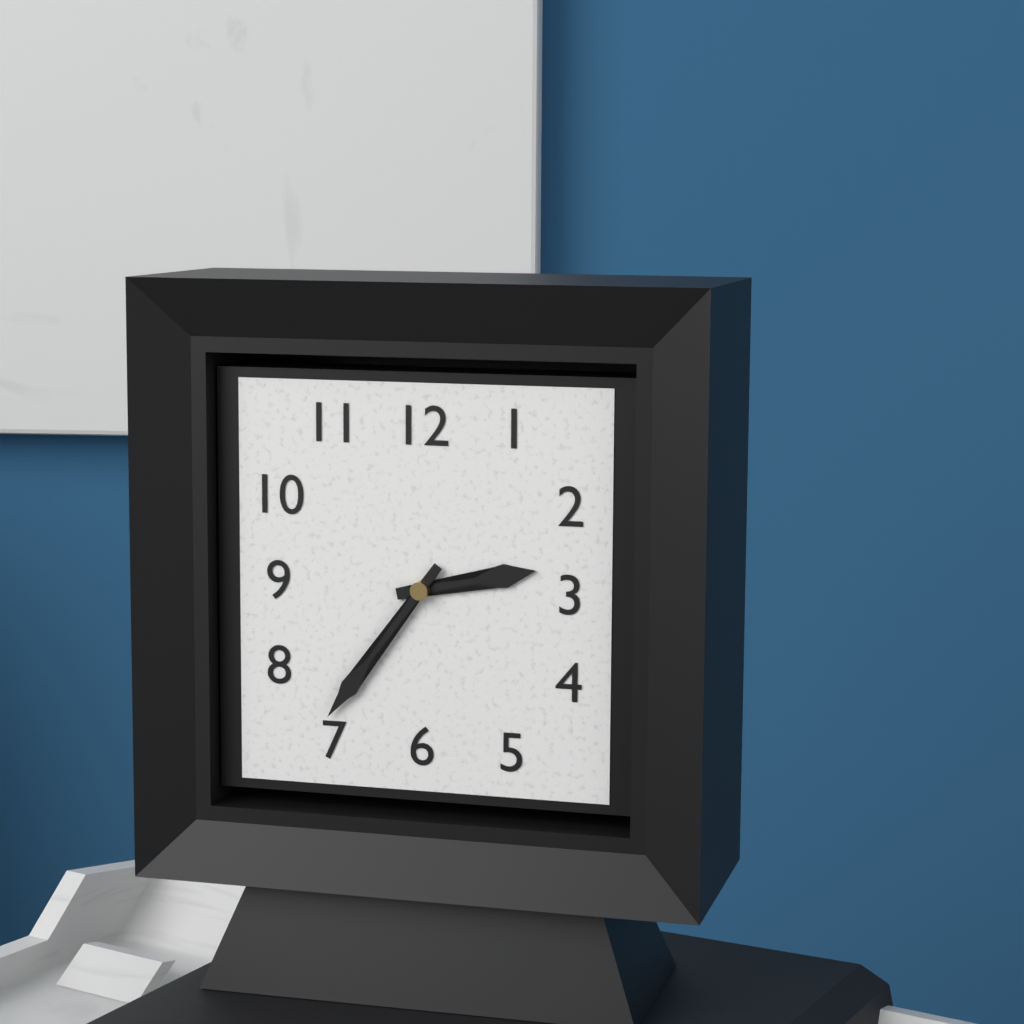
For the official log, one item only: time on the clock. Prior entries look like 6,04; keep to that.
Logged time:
2,36
